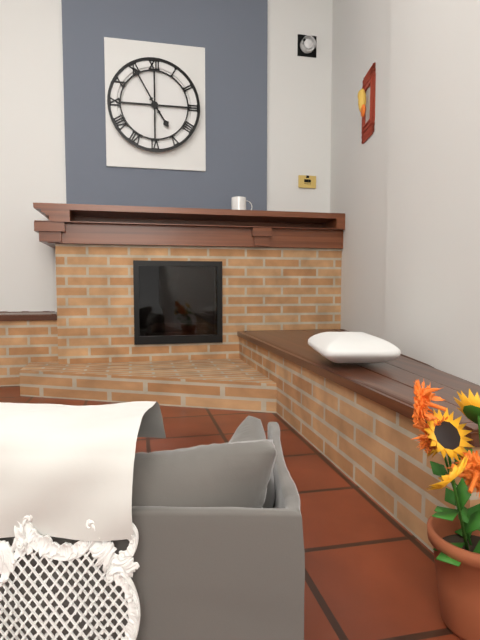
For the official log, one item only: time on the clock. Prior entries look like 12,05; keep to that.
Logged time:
4,55
